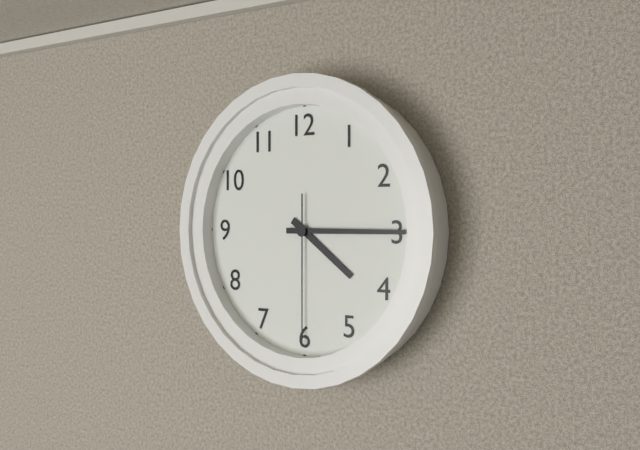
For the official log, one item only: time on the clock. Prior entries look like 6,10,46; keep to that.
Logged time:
4,15,30
